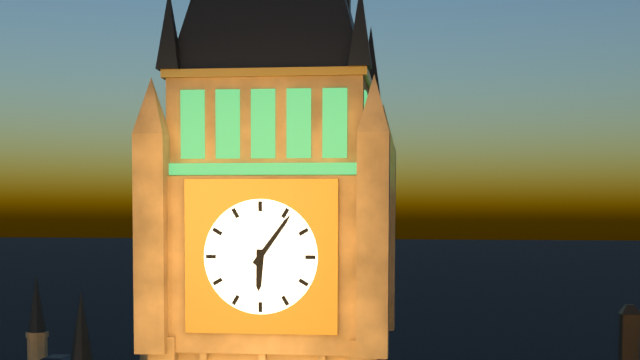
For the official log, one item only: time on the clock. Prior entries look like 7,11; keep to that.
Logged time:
6,06
